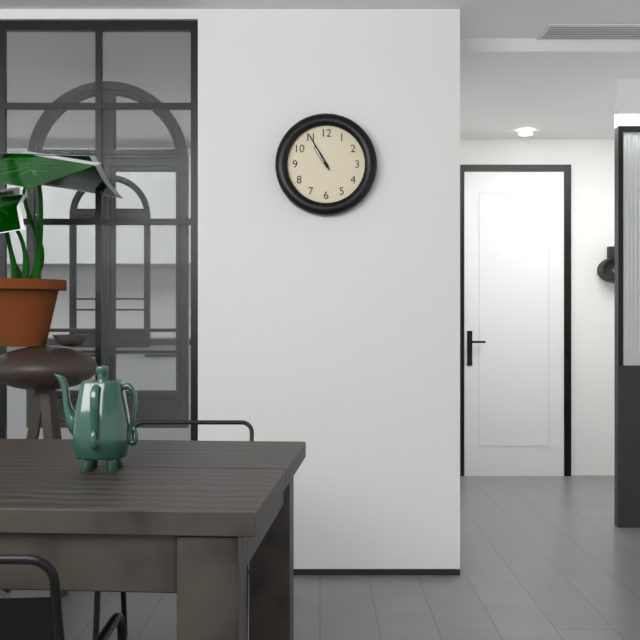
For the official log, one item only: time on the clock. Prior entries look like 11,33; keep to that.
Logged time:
10,55
